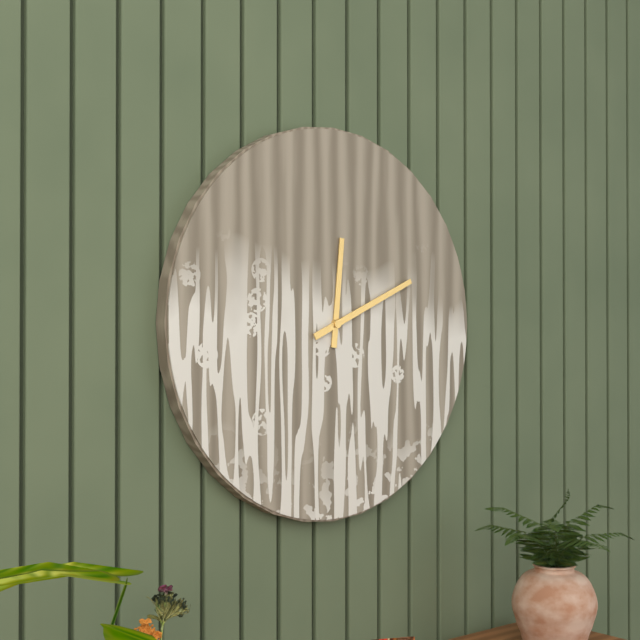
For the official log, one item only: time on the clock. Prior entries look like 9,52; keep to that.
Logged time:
12,11
